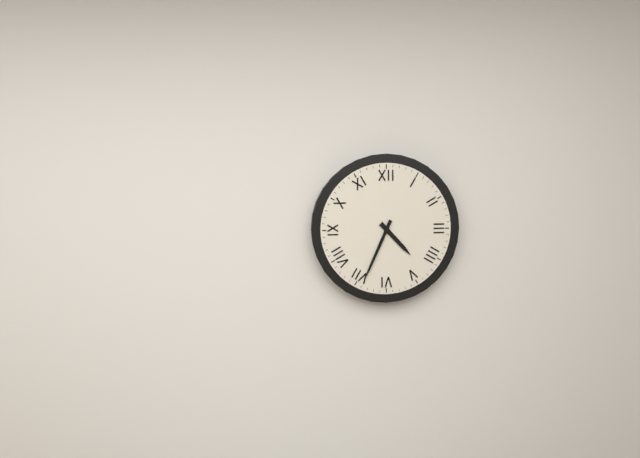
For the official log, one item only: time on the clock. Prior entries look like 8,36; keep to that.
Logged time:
4,34
